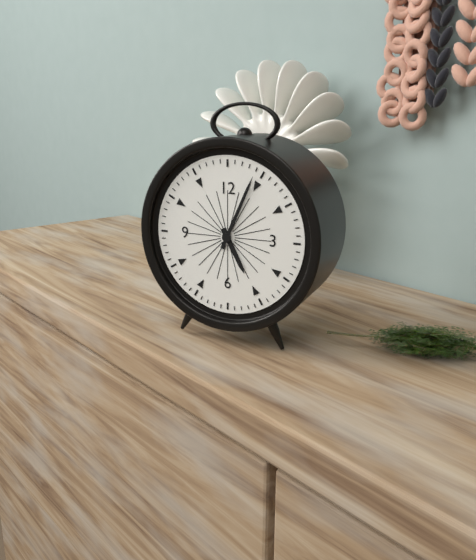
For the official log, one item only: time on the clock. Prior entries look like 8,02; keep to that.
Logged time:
5,04
